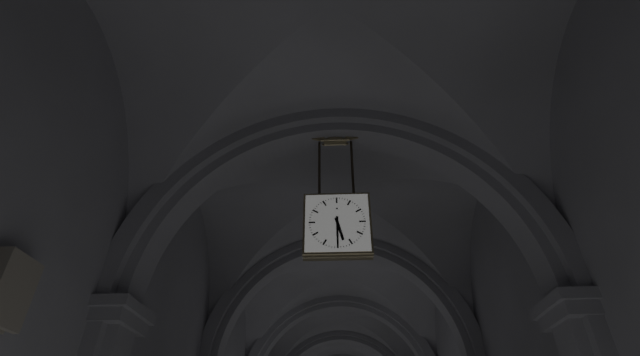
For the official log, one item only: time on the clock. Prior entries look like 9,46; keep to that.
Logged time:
5,30
